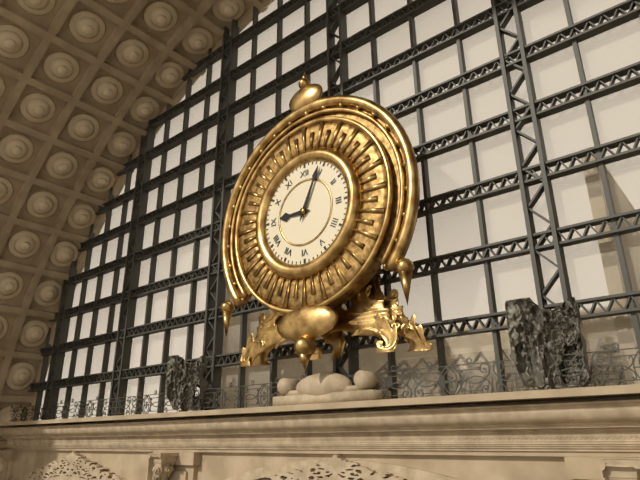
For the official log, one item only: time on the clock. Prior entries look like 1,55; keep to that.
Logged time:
9,04
